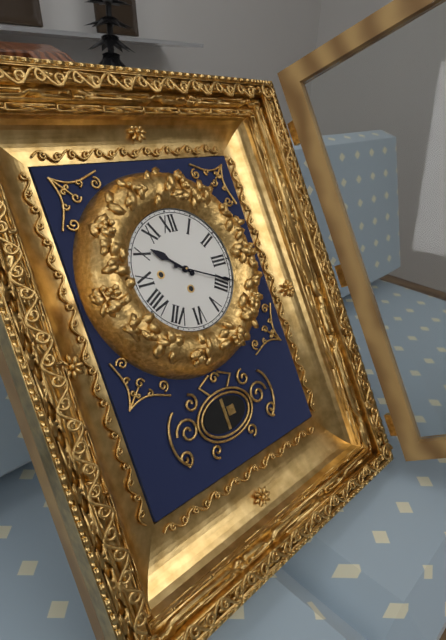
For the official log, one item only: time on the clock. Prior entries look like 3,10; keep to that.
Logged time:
10,19
